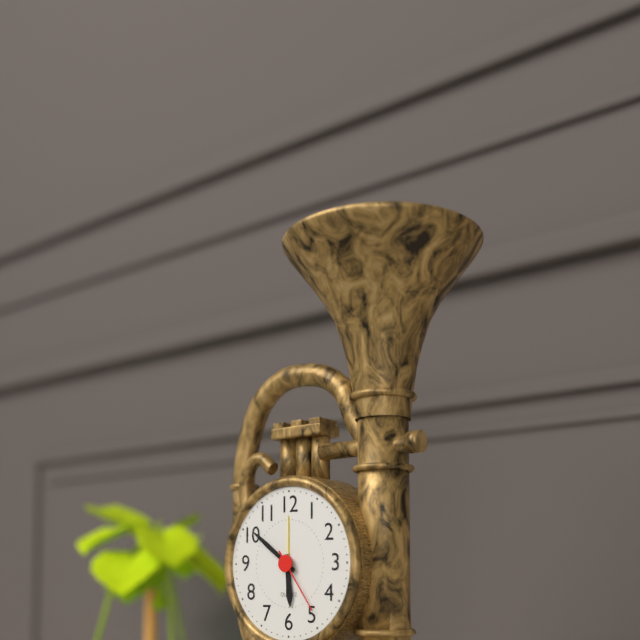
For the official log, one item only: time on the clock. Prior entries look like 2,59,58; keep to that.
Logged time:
5,51,24
